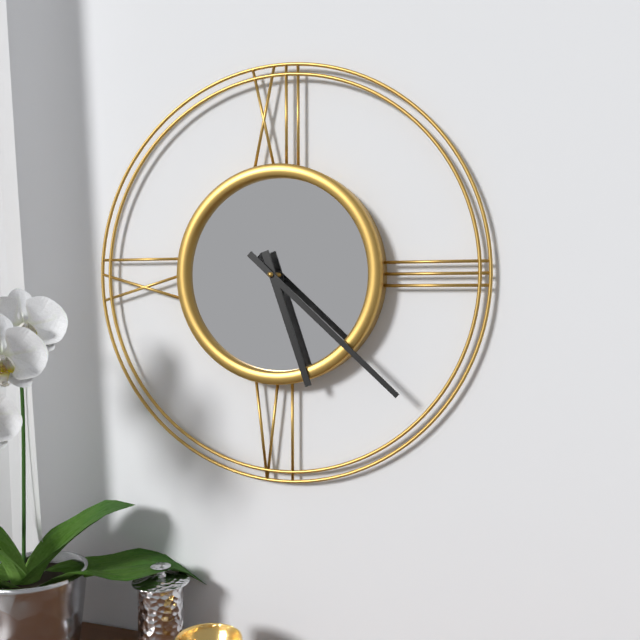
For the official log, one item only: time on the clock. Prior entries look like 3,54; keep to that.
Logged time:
5,22
